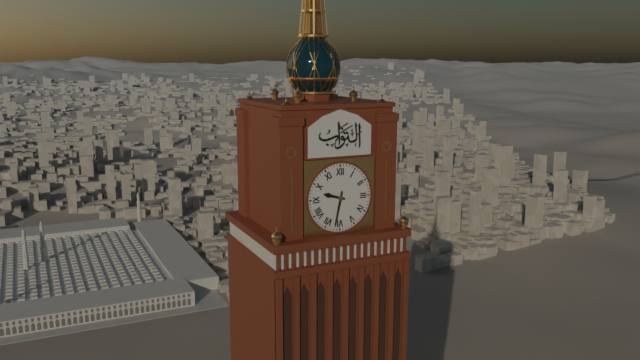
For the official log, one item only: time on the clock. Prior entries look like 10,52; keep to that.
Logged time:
9,32
